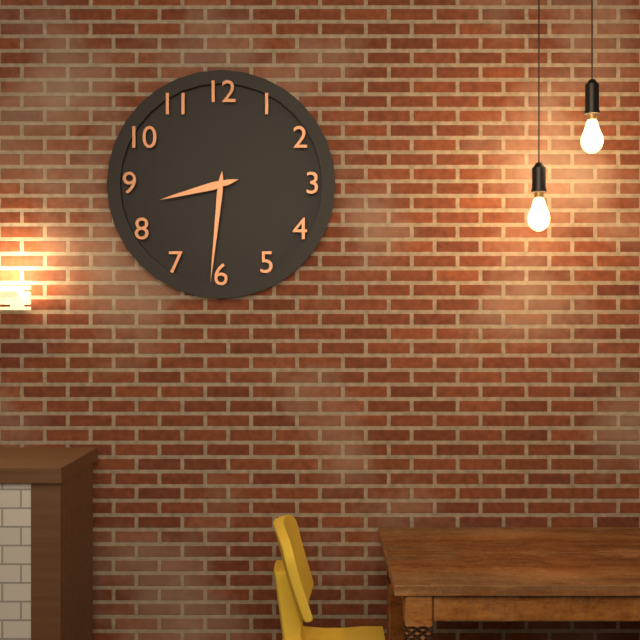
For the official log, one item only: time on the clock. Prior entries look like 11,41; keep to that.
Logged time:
8,31
